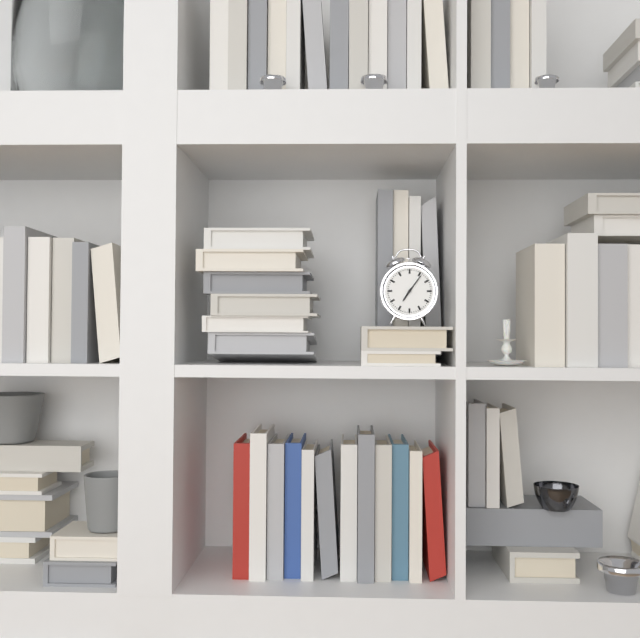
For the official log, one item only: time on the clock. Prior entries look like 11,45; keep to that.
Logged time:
7,06
